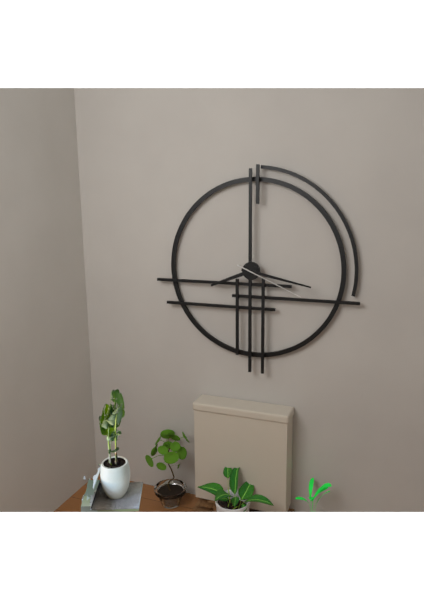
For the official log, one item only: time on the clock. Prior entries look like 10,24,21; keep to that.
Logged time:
8,17,19
